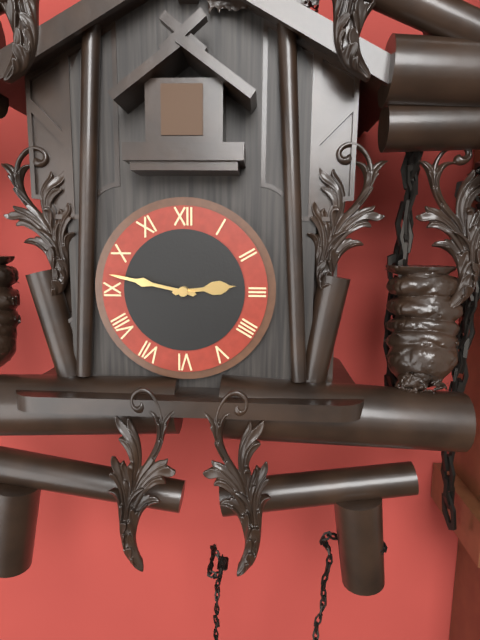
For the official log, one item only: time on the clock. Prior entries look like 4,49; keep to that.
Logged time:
2,47
